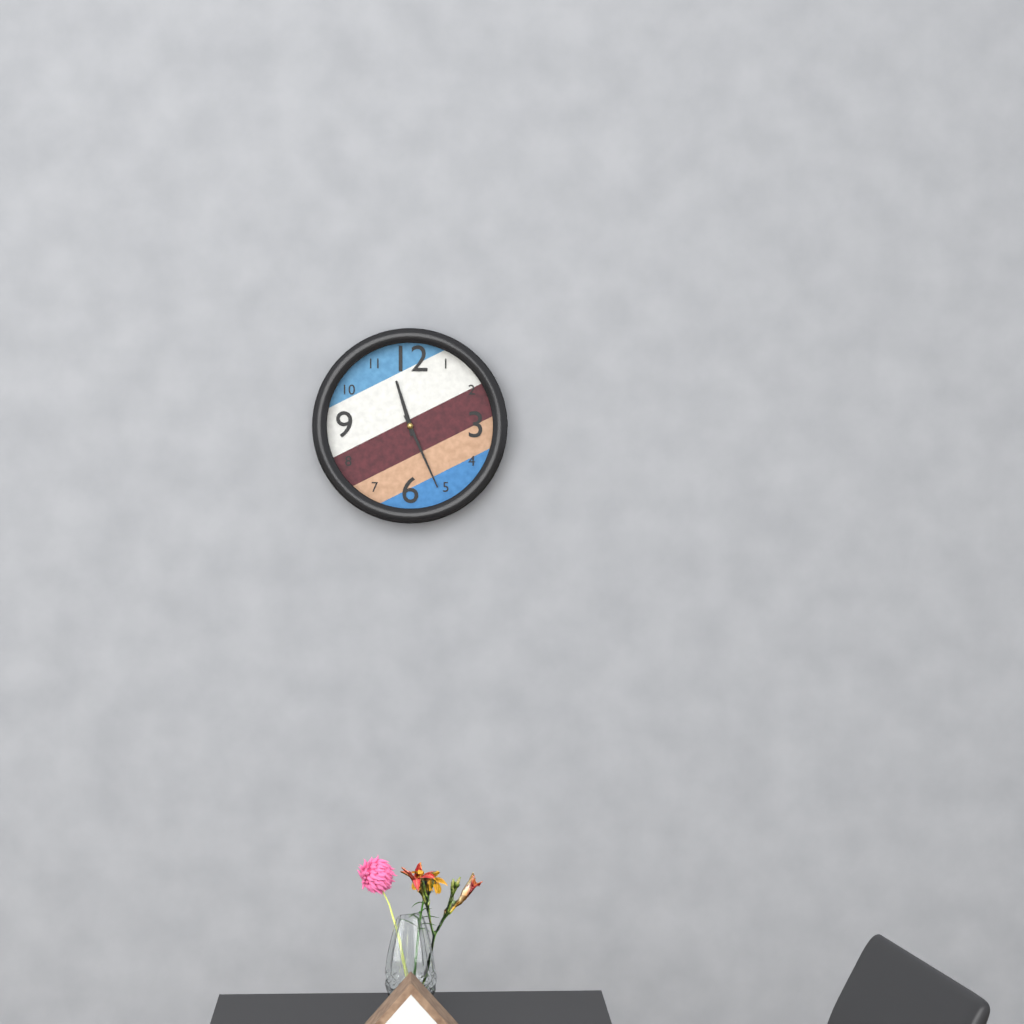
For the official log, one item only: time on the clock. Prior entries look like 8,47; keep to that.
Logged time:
11,26
